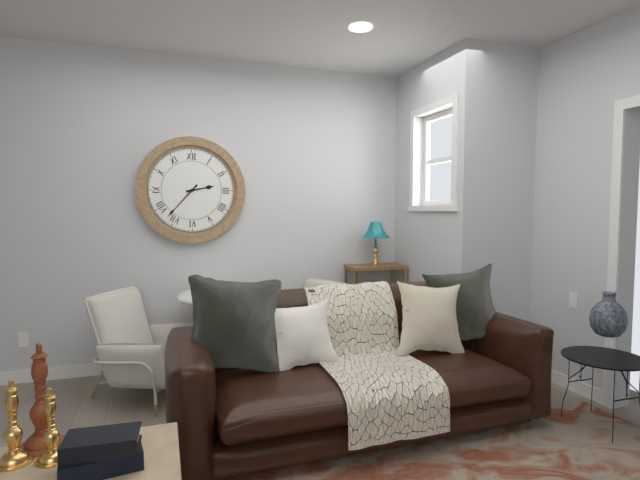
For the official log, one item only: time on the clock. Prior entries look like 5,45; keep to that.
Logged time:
2,37
